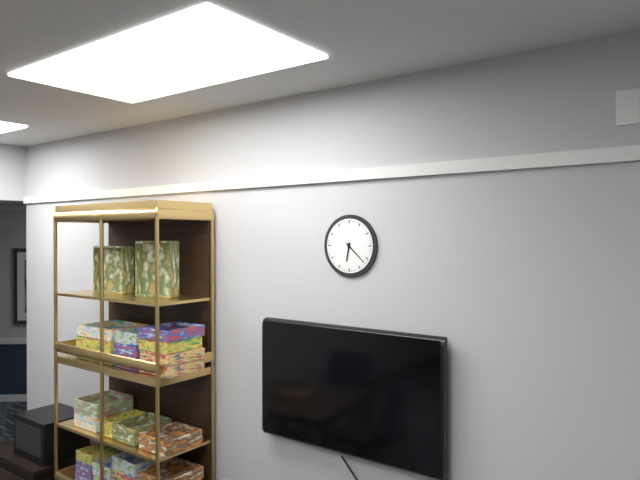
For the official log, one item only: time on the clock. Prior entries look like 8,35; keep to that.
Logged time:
6,22
